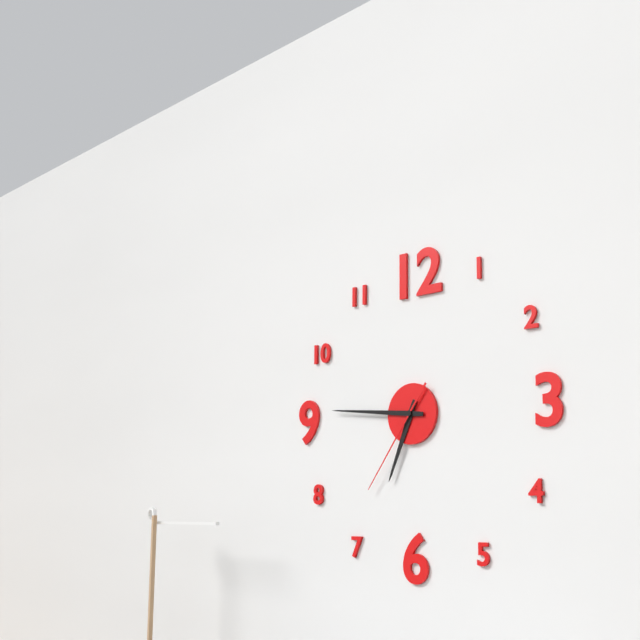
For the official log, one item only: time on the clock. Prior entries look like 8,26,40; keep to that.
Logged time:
6,46,36
